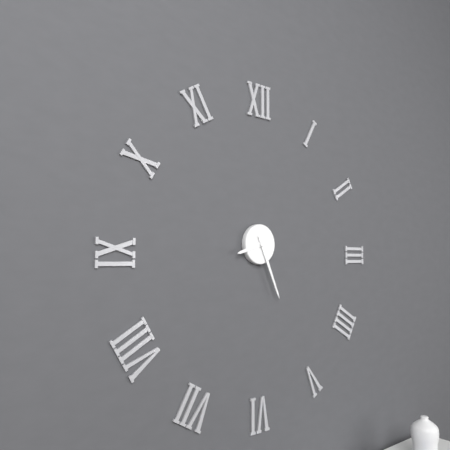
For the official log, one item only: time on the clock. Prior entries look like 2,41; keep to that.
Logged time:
8,26
